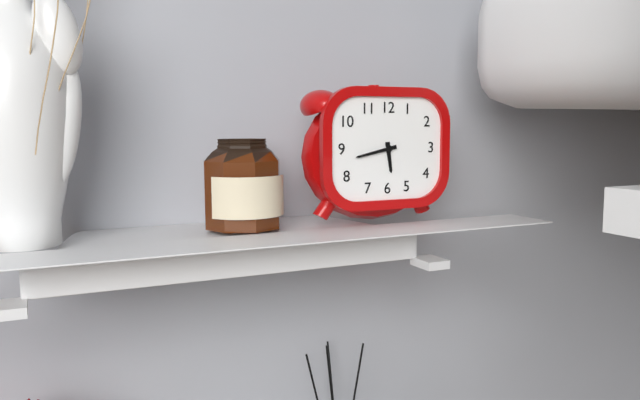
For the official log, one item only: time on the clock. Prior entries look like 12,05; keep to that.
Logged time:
5,43
